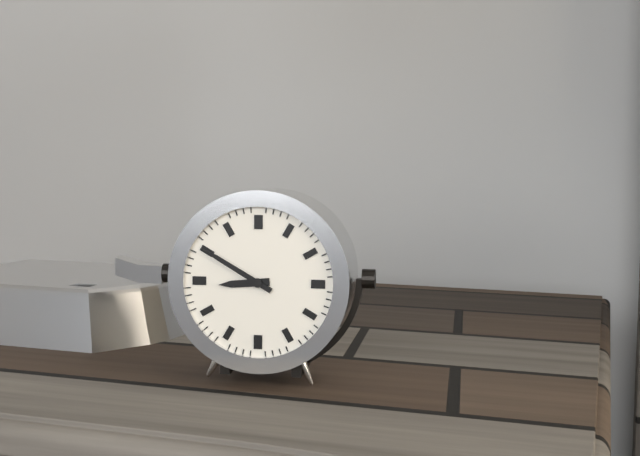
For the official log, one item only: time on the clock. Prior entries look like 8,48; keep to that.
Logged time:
8,50
